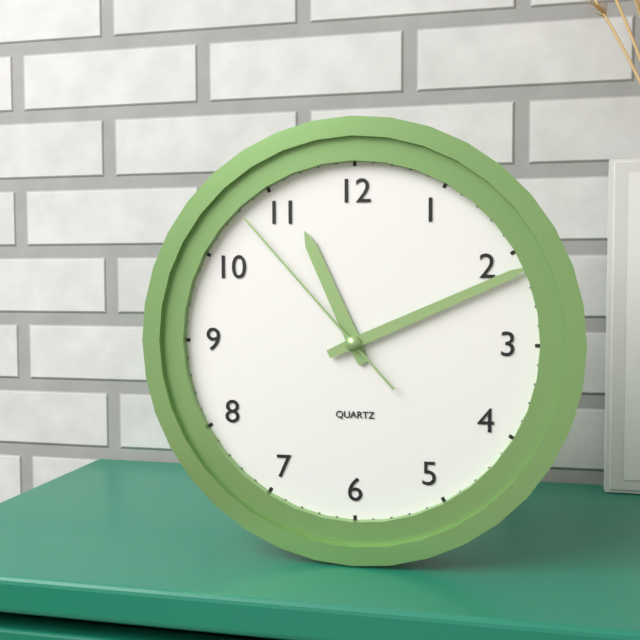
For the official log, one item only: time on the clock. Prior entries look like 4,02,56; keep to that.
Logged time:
11,11,53
